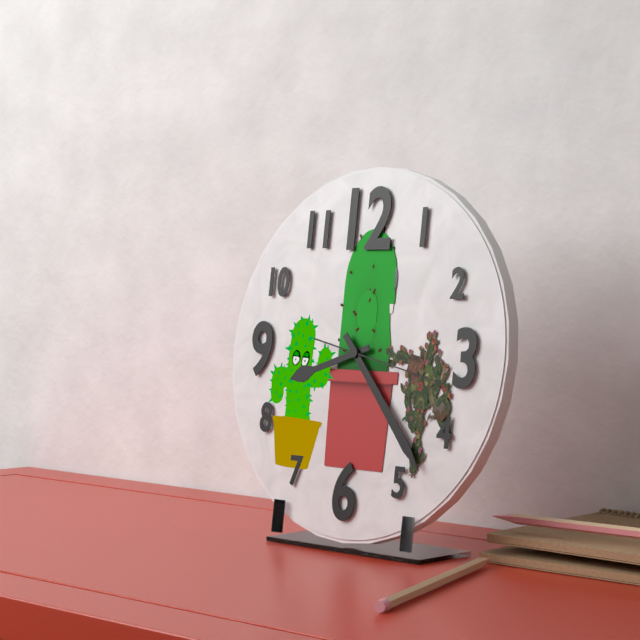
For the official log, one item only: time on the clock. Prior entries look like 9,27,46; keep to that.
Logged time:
8,23,17
